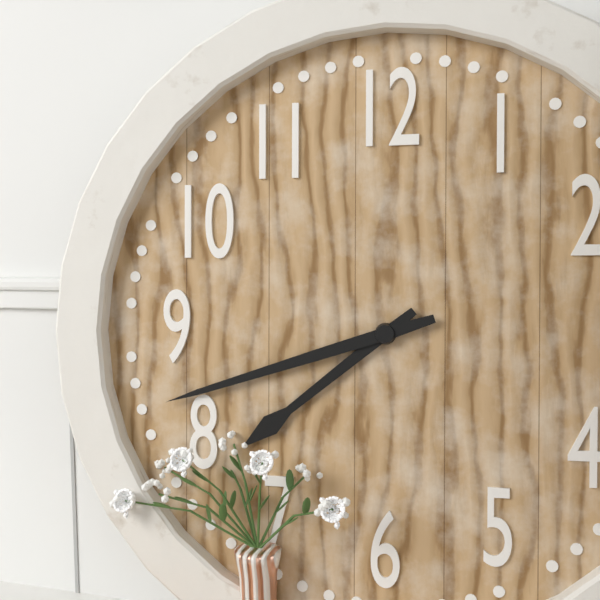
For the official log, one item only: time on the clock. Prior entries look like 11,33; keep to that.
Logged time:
7,42
